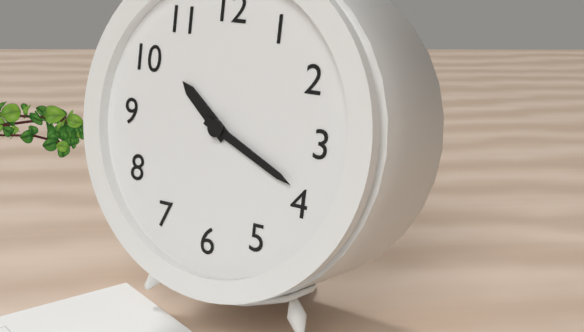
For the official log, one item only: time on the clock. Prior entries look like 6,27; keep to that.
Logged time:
10,19
